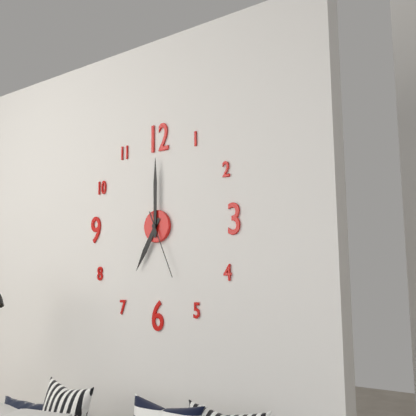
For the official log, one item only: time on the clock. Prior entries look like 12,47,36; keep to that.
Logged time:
7,00,26
